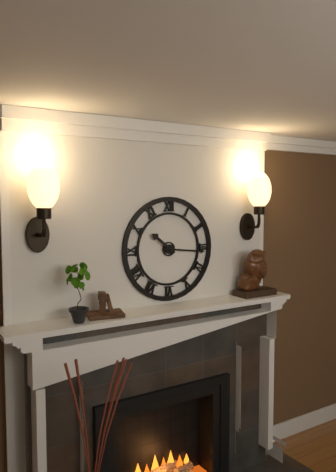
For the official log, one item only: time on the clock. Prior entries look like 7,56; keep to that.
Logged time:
10,16
